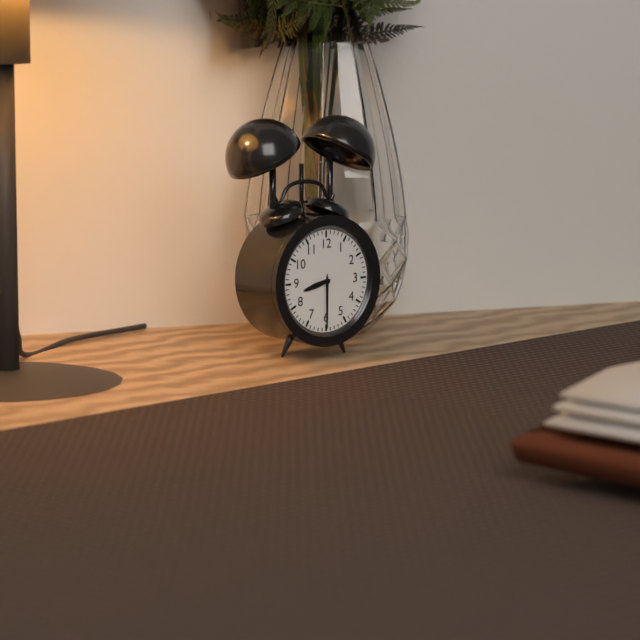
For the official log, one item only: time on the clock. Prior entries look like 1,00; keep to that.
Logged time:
8,30
